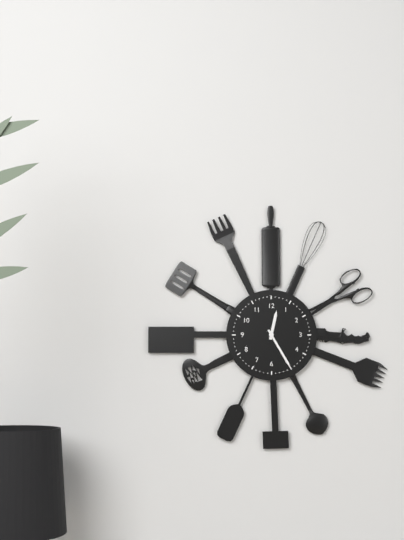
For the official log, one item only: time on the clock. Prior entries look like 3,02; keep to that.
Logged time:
12,25
